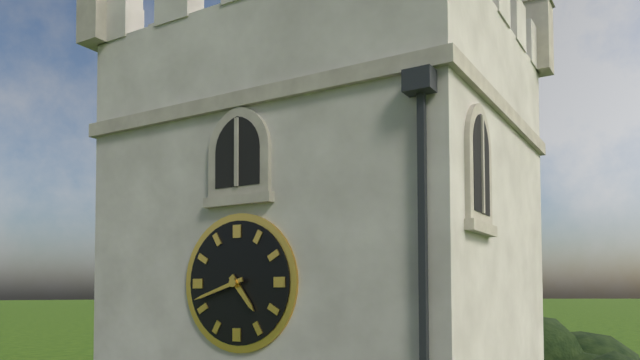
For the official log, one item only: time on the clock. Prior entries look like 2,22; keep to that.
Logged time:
4,42
